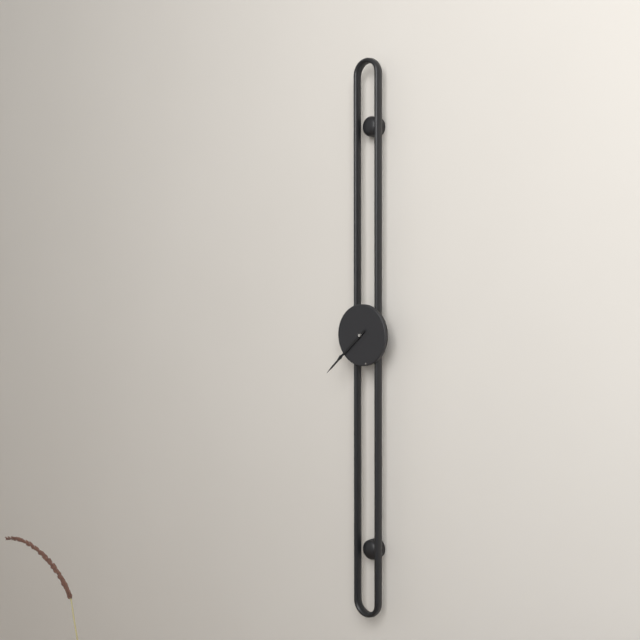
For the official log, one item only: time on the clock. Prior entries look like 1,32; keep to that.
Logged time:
7,38
